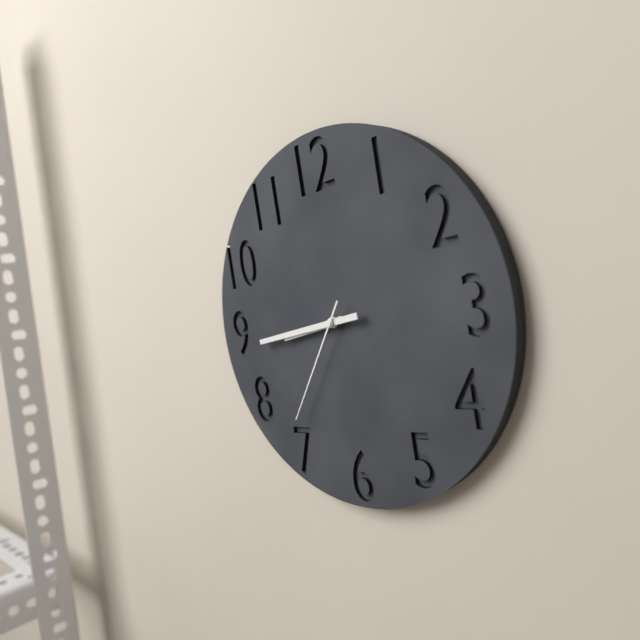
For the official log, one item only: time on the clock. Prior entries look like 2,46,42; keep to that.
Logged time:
8,44,36
